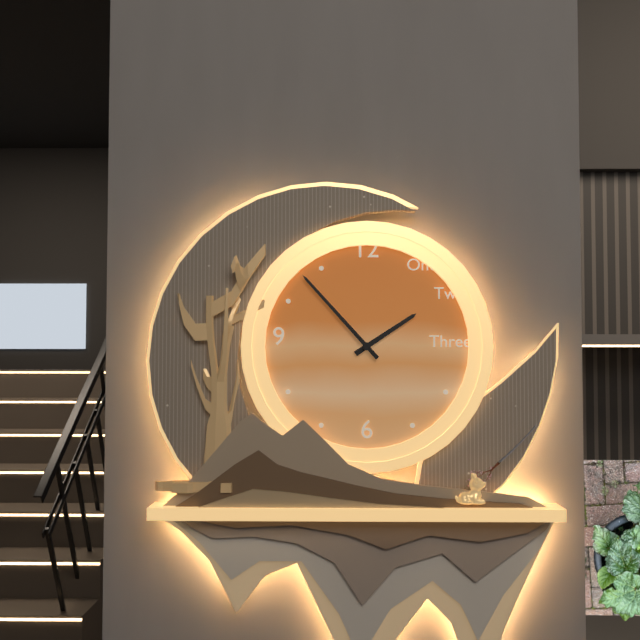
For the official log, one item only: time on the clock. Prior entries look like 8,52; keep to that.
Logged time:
1,53
